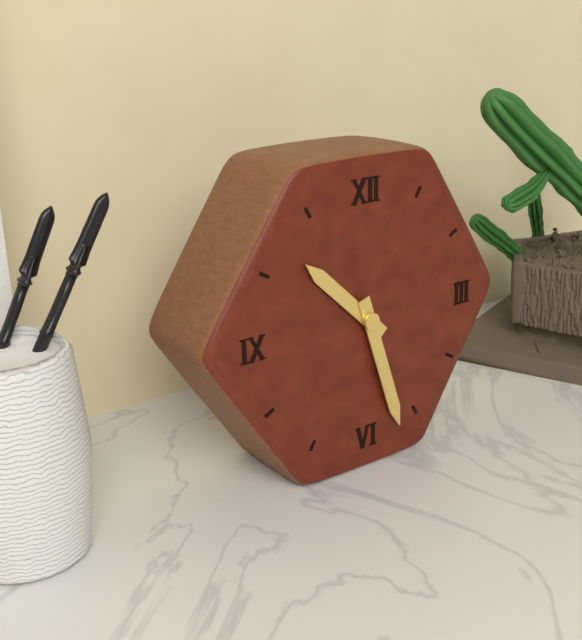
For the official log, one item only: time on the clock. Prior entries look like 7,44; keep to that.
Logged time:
10,27
